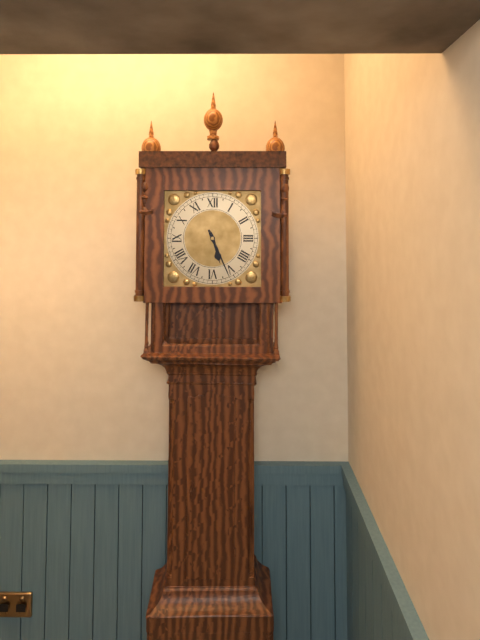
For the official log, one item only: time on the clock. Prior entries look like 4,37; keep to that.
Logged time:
5,26
